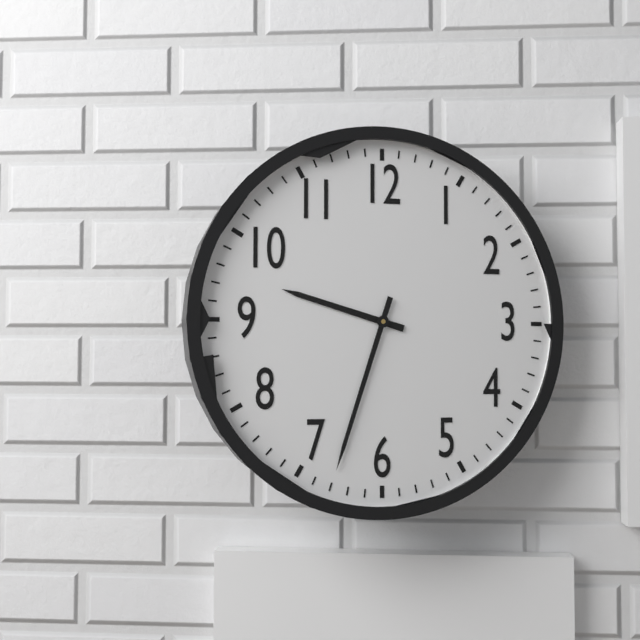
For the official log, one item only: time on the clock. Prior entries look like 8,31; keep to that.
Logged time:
9,33
